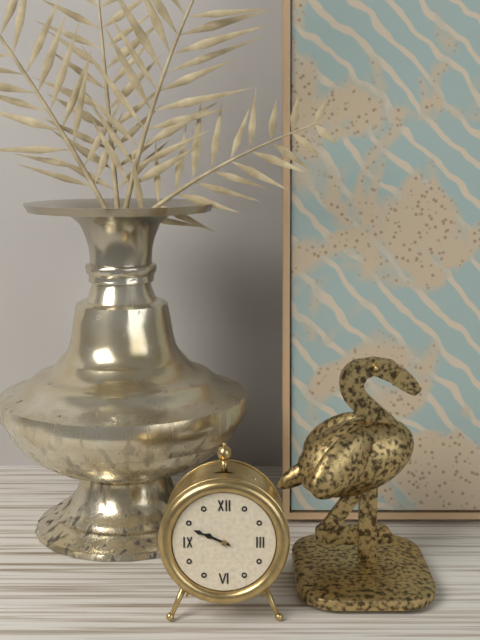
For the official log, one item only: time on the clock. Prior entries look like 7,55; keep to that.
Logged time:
9,49
